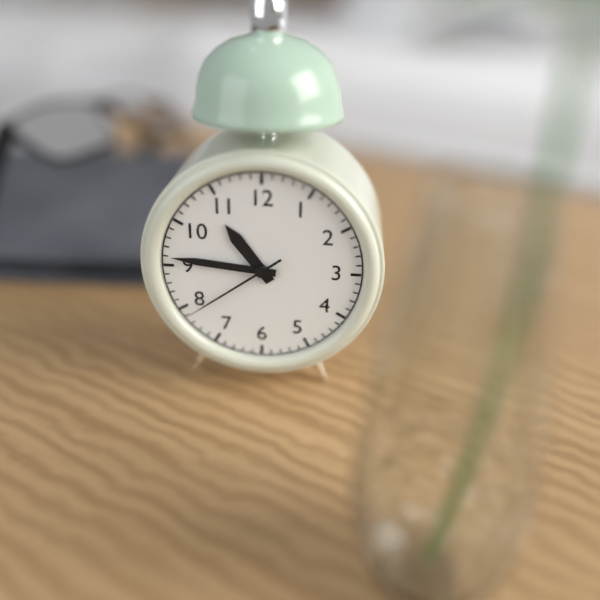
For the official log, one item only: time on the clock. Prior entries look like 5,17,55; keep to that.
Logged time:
10,46,39
